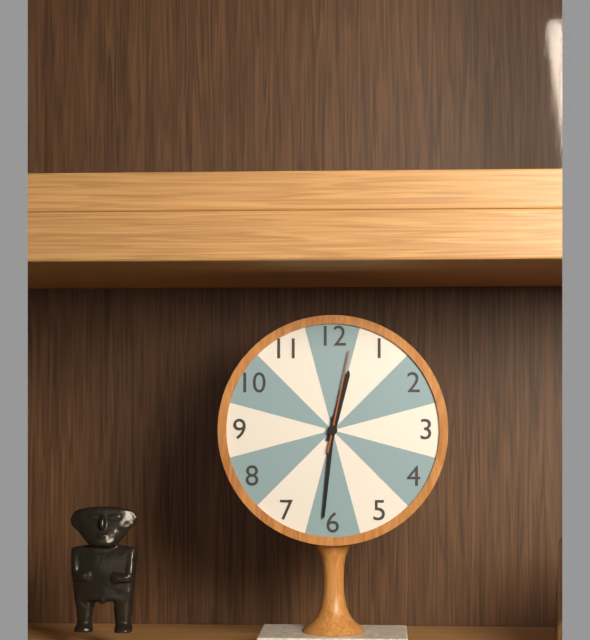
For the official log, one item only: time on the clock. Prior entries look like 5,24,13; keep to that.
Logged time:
12,31,02
